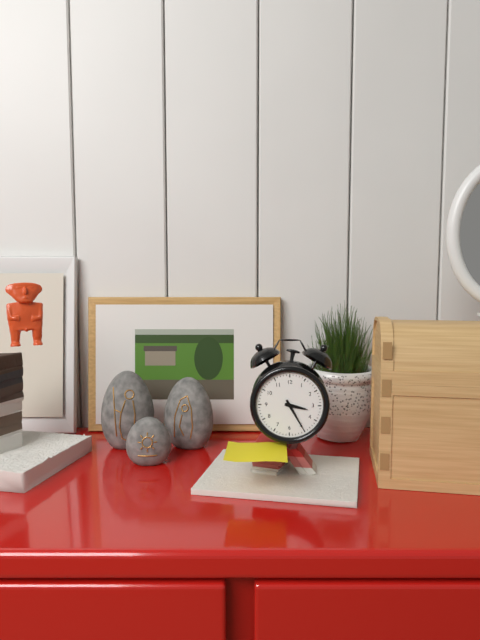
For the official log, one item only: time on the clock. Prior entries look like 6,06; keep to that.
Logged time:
3,25
